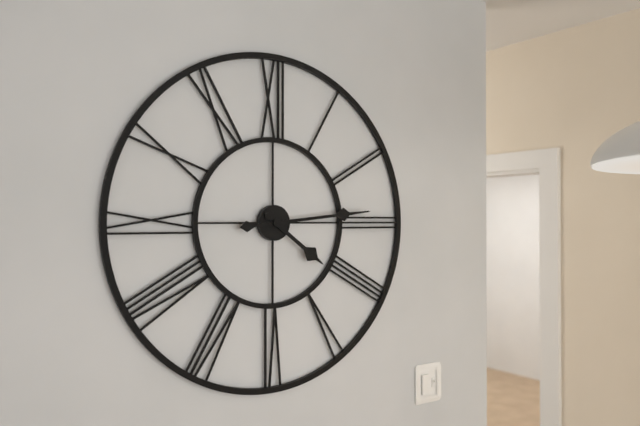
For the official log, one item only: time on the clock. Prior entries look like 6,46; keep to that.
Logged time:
4,14
